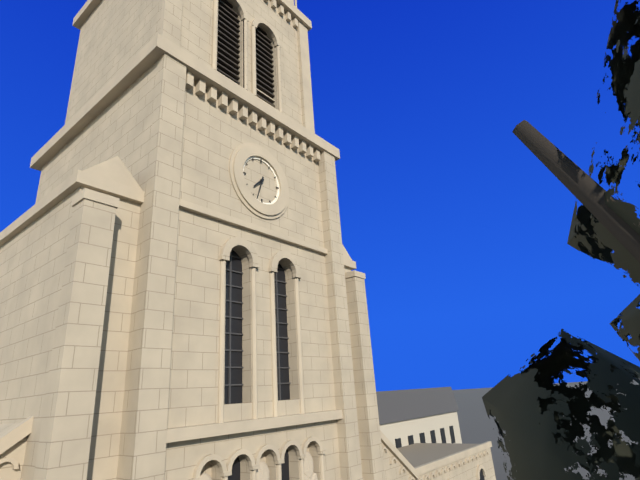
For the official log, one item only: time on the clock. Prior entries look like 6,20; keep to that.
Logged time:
7,33
